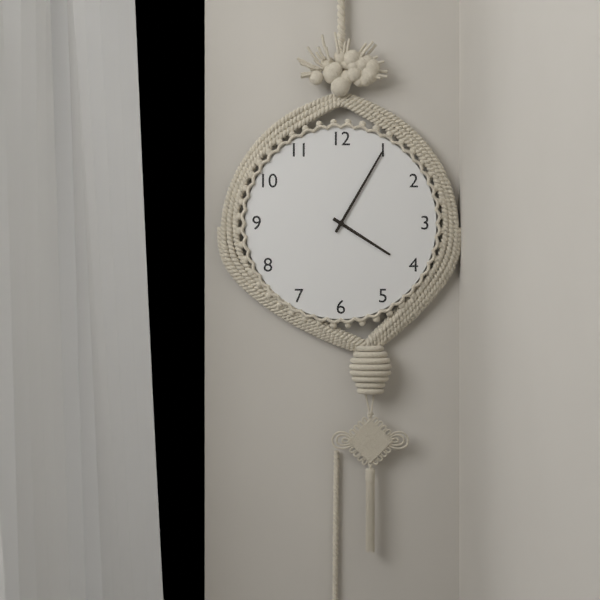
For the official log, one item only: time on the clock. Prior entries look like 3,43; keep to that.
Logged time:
4,05
